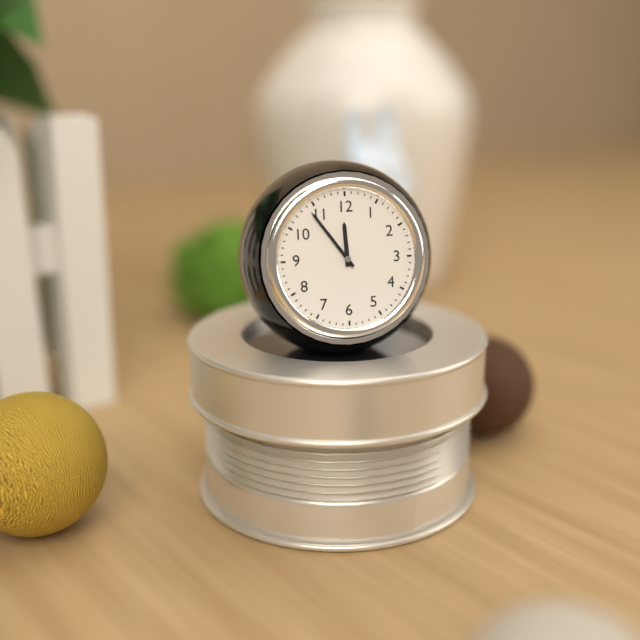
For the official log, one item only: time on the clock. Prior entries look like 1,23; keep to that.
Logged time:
11,54
